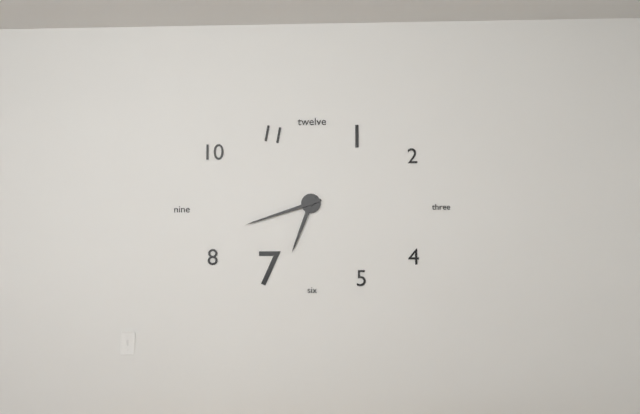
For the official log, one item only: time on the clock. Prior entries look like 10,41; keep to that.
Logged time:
6,42
